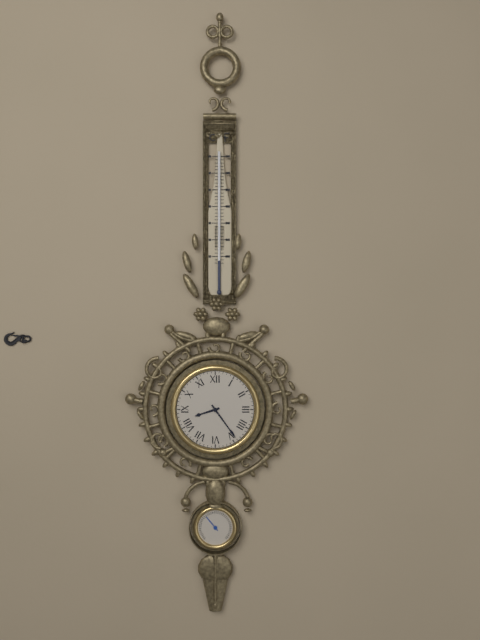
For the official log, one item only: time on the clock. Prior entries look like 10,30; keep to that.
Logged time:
8,24
